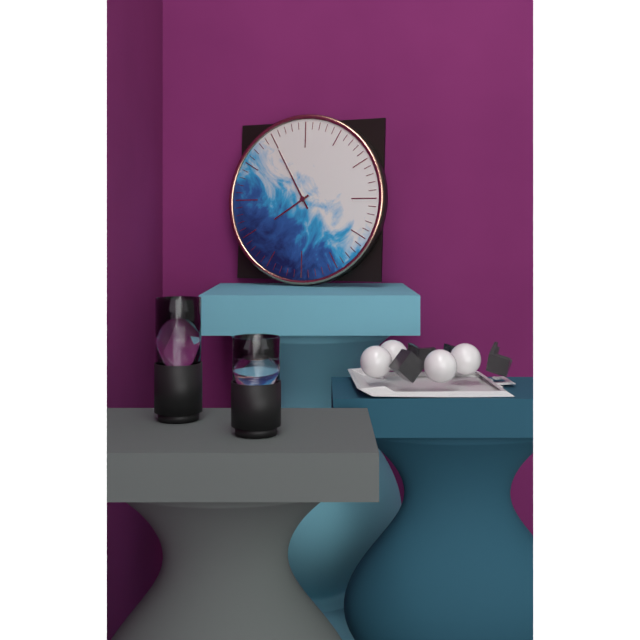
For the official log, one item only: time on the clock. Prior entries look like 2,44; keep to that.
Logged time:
7,55
